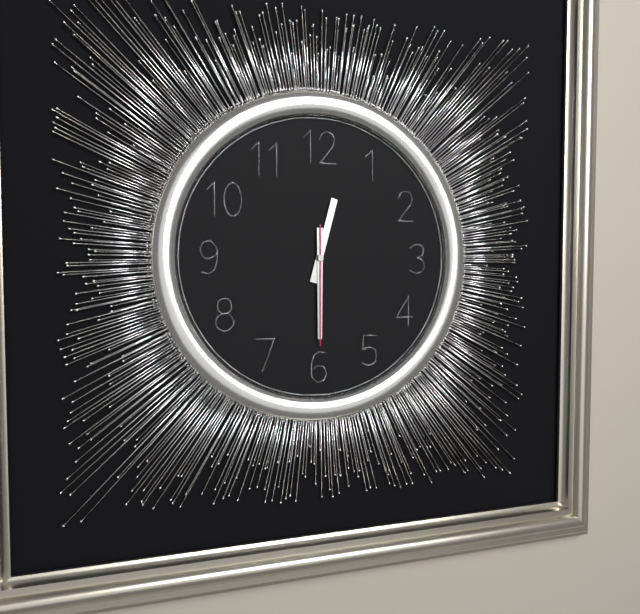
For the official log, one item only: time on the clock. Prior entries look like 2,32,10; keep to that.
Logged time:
12,30,30
